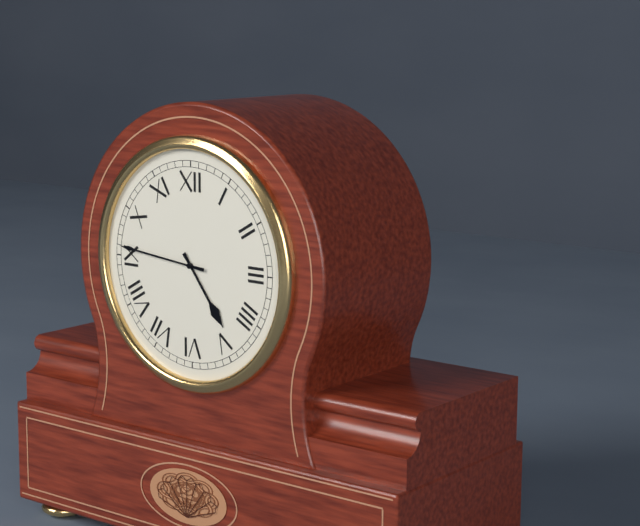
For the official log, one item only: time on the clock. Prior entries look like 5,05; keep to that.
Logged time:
4,46
